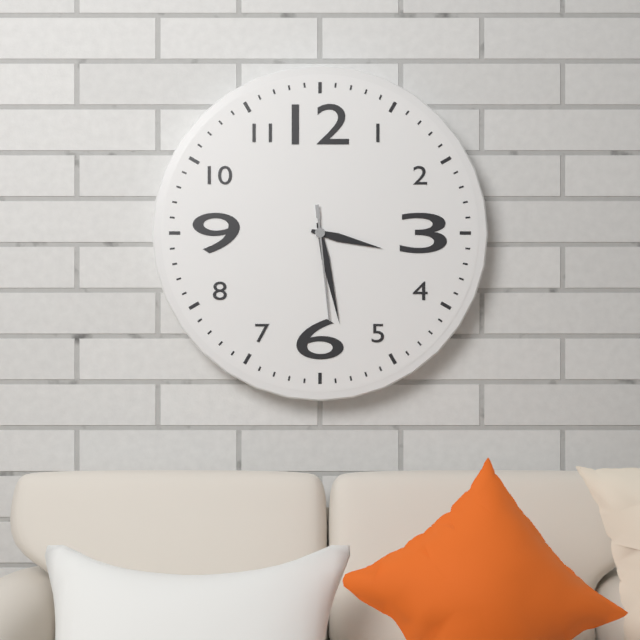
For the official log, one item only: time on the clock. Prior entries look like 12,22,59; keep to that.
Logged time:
3,28,29
